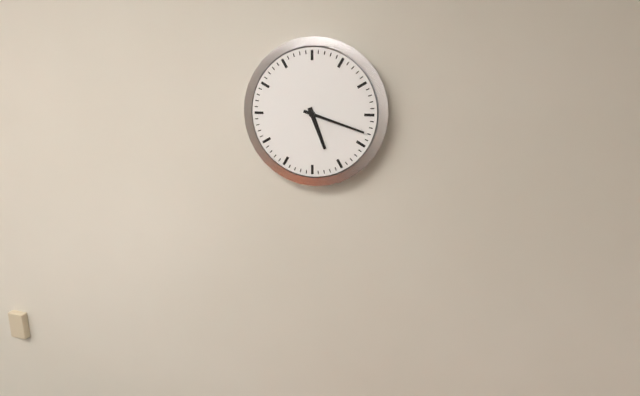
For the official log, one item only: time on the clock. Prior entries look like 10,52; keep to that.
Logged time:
5,18
